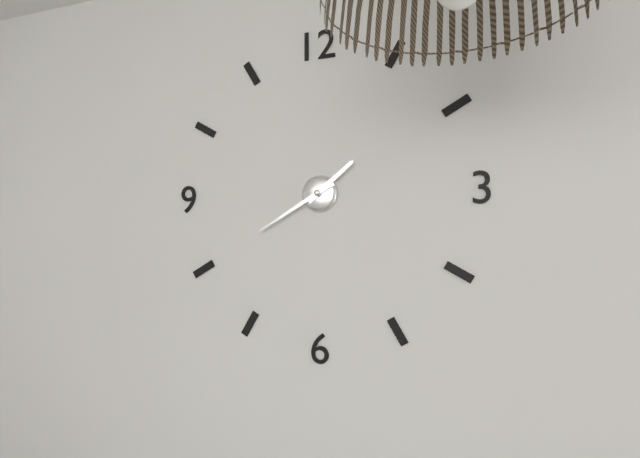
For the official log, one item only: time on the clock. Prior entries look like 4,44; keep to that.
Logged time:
1,40
